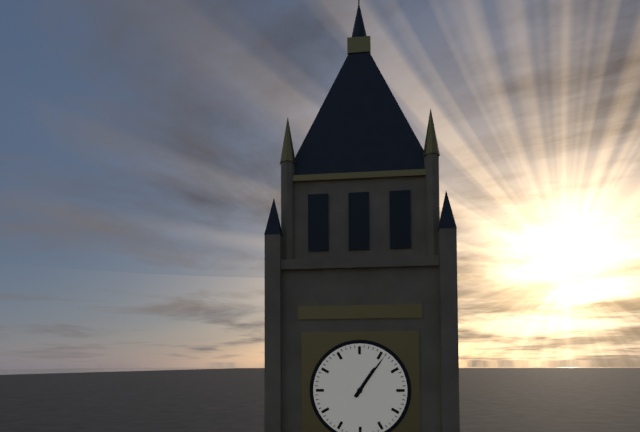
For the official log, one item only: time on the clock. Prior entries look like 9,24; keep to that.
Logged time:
1,06
